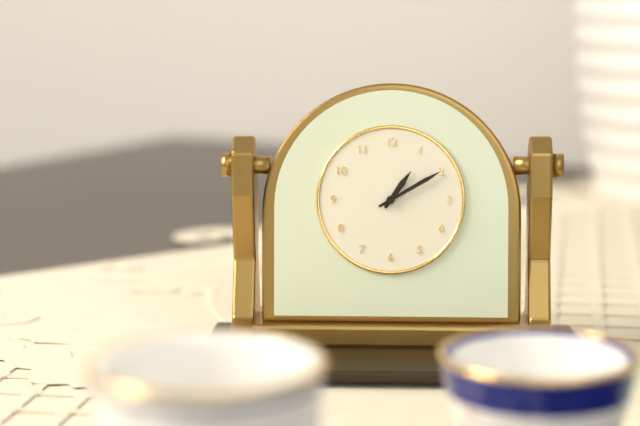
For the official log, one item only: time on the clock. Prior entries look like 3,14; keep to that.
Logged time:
1,10
